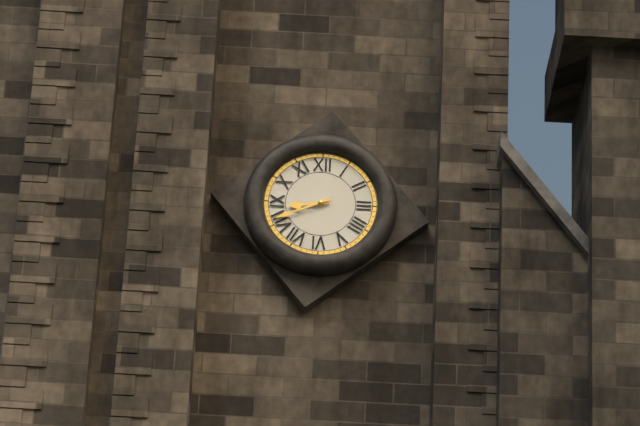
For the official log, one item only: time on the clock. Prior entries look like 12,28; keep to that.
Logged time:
8,41
